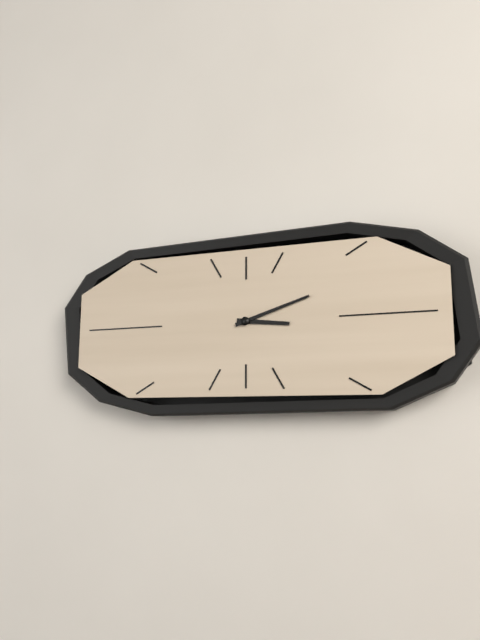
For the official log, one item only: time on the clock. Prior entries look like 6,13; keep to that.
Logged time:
3,12
